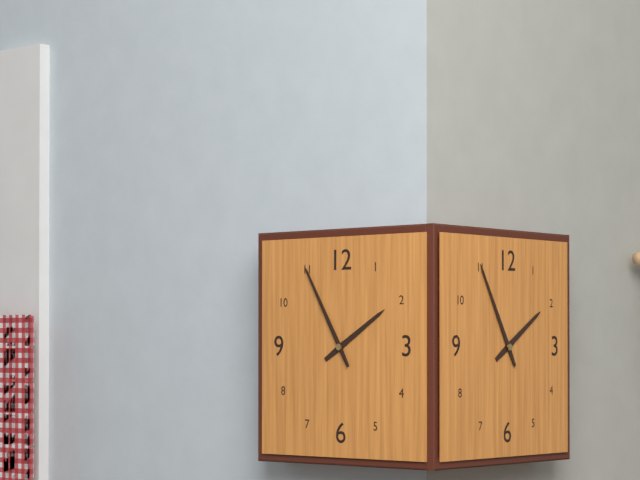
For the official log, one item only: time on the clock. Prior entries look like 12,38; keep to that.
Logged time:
1,55
